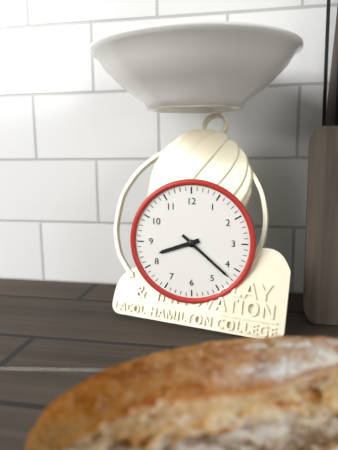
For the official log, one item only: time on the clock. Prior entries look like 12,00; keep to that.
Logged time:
8,22
